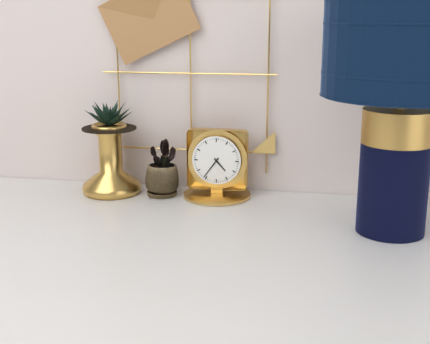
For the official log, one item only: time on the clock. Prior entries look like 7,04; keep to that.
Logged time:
4,36
